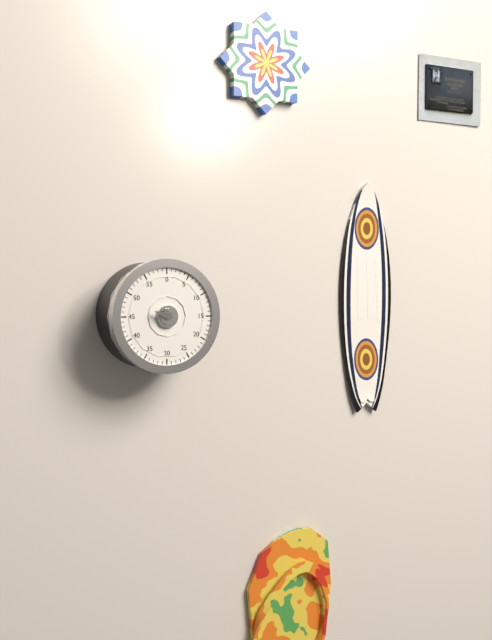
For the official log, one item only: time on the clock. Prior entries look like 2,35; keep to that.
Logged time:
10,48
